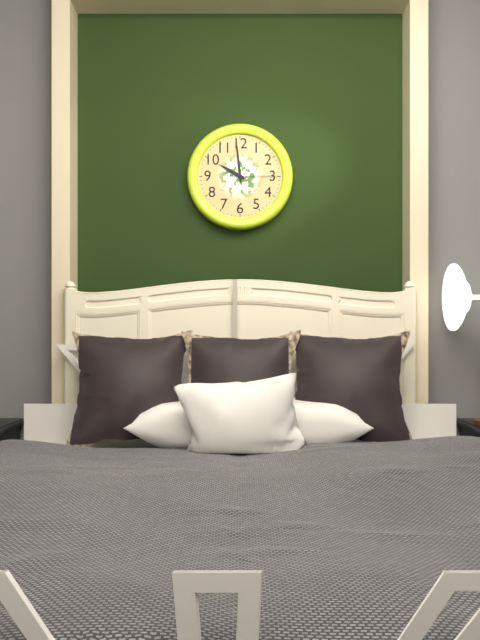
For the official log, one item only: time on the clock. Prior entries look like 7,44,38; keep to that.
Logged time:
9,59,15
